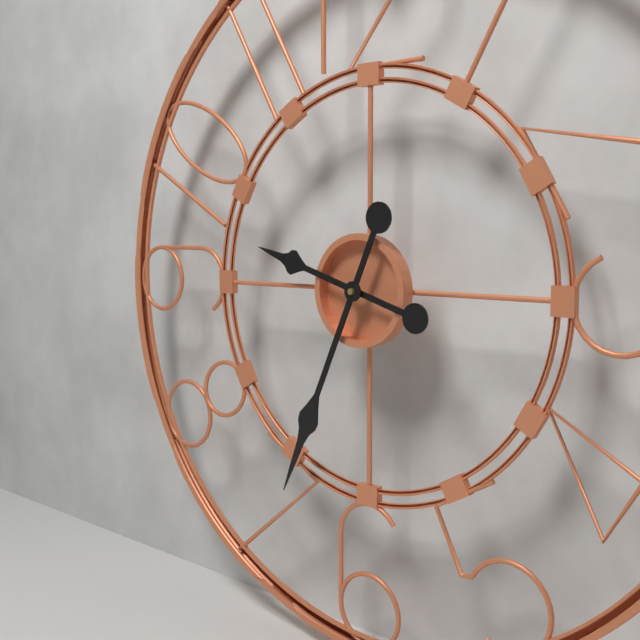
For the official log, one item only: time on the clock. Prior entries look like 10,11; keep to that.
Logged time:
9,34
